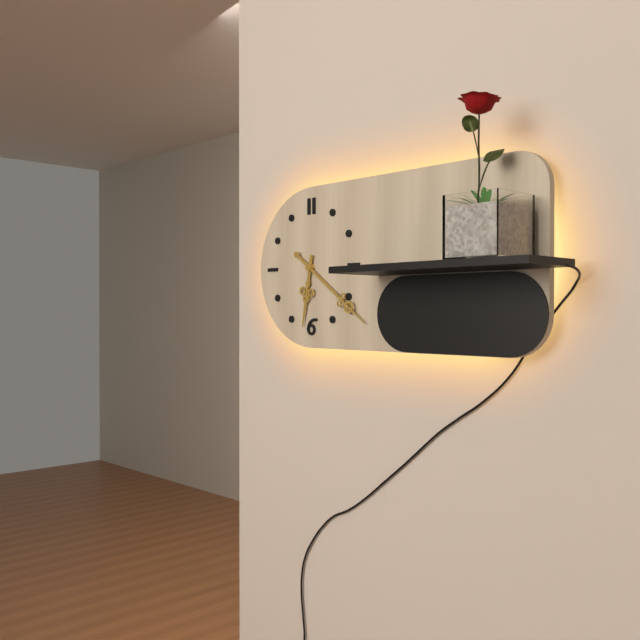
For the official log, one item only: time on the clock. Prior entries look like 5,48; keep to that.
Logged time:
6,21
